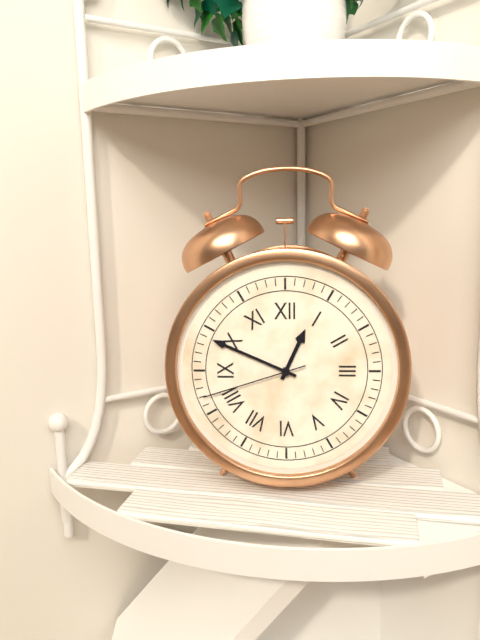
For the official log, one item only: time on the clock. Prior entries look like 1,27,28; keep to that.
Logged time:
12,49,42
